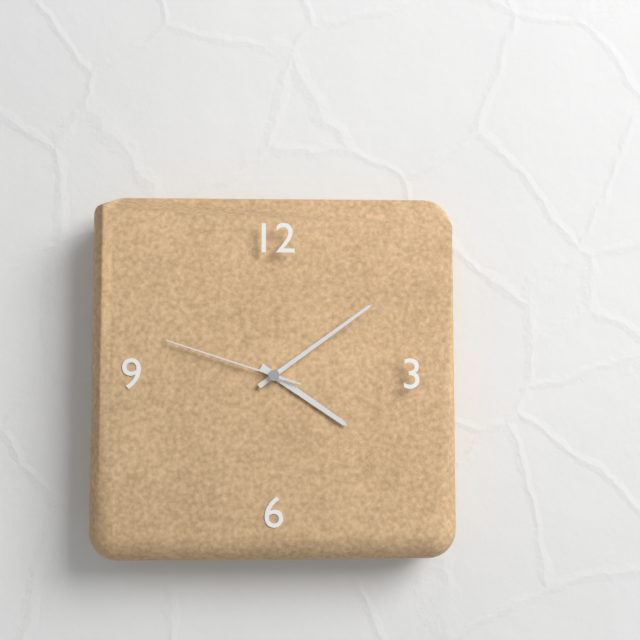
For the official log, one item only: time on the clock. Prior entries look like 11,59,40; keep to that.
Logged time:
4,09,48
